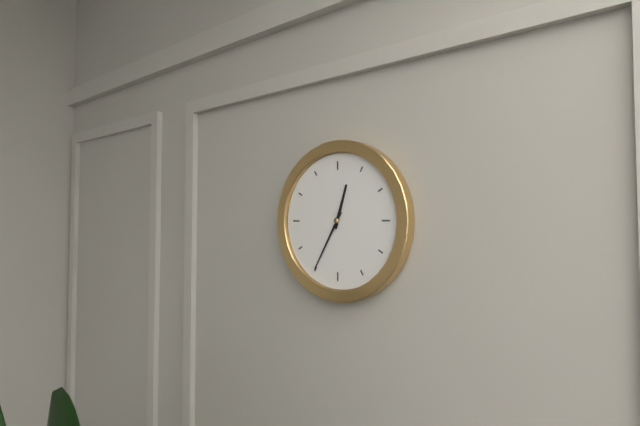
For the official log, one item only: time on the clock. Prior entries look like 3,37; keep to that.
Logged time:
12,35
